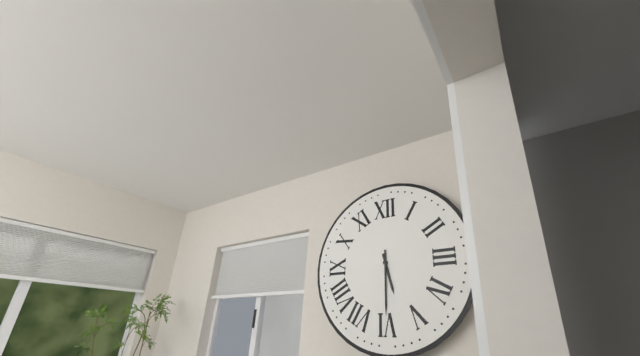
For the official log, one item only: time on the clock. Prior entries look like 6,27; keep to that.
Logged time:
5,30
